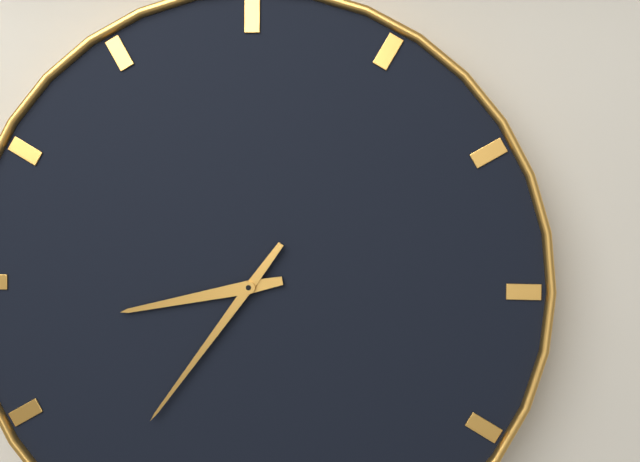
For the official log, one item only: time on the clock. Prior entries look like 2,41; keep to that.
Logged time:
8,36
